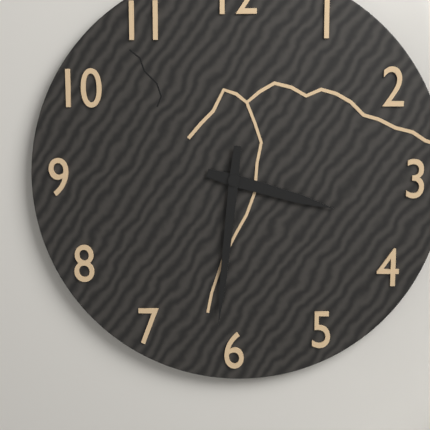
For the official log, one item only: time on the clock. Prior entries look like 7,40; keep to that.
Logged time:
3,31
